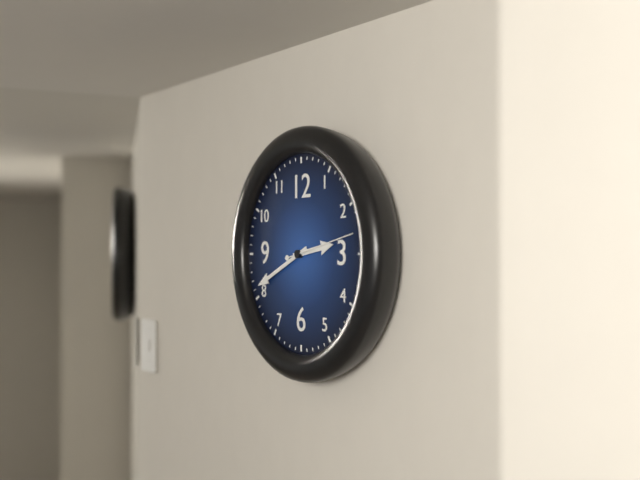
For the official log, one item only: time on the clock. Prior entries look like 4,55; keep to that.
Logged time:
2,41
